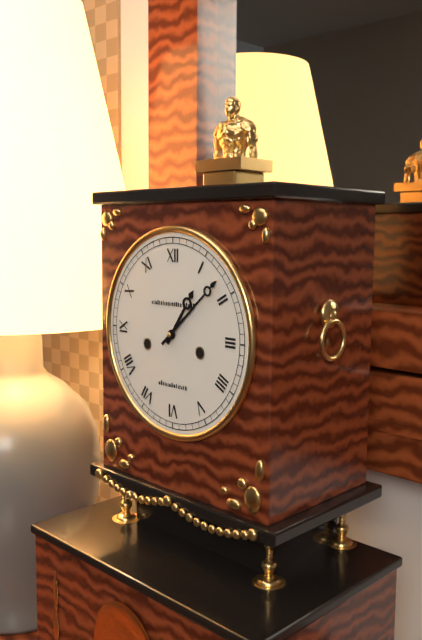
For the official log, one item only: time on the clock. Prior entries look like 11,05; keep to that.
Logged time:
1,08
